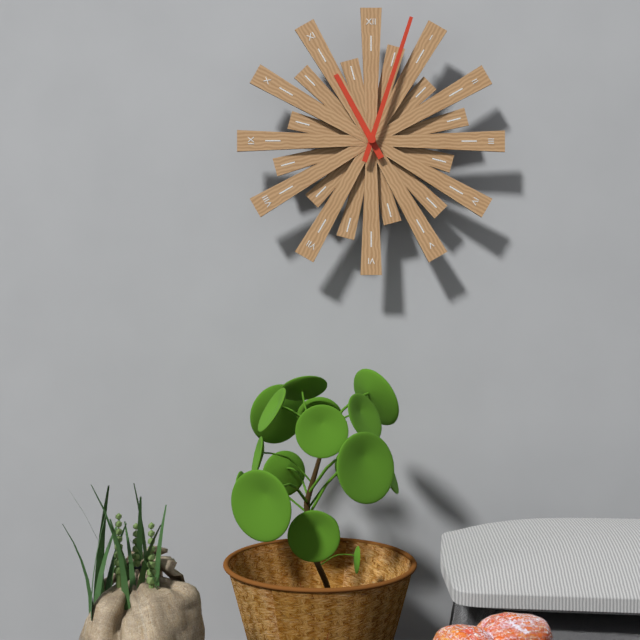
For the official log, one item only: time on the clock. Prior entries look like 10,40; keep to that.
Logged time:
11,03
